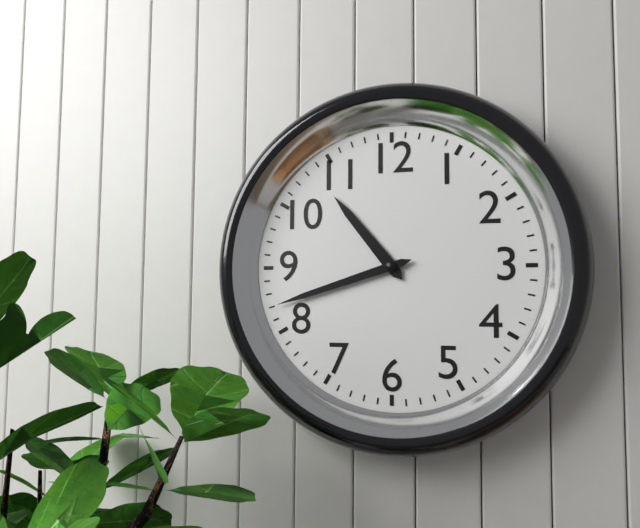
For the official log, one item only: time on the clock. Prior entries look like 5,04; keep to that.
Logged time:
10,42
